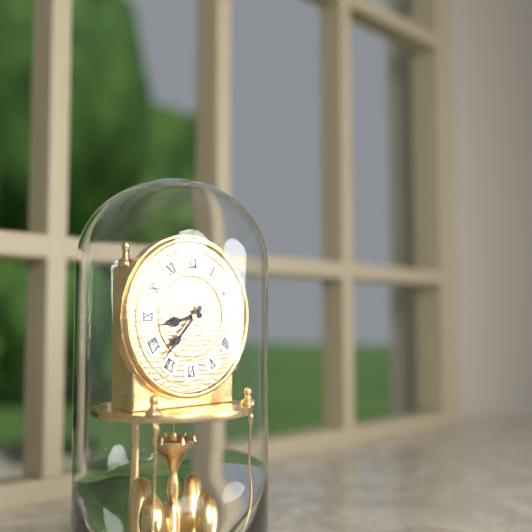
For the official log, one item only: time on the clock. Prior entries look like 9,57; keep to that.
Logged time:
8,37
